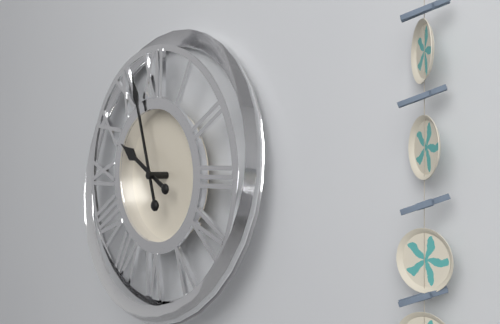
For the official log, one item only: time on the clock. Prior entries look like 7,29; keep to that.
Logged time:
9,57
